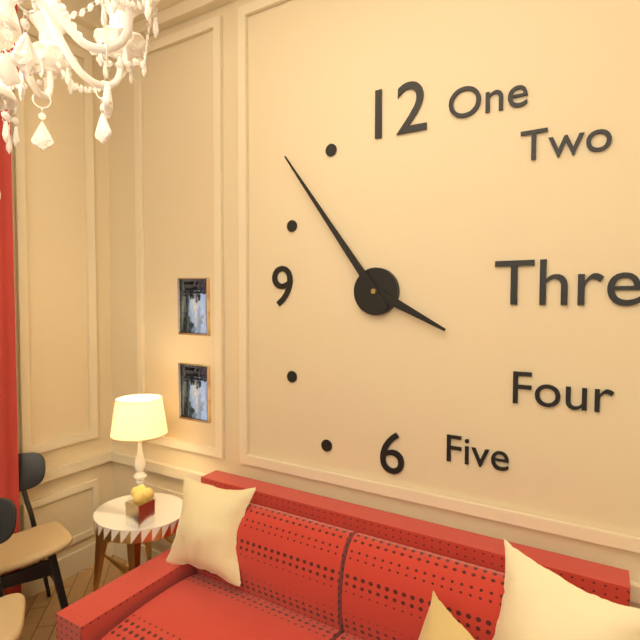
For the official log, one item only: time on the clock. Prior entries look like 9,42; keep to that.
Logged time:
3,54
